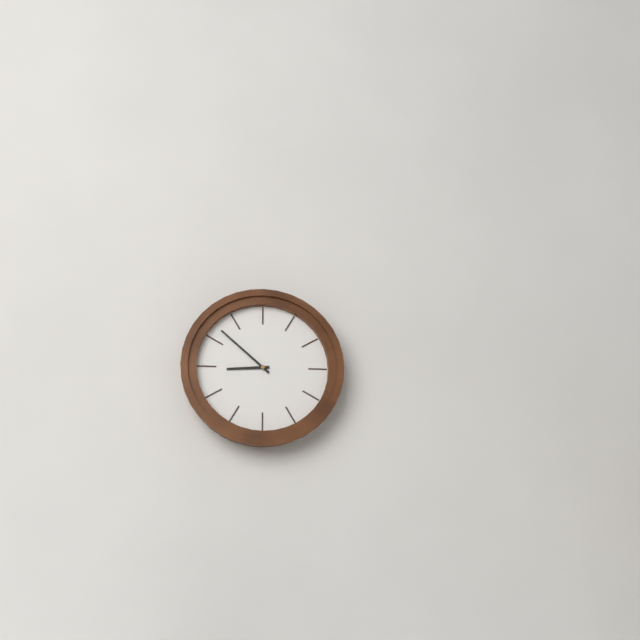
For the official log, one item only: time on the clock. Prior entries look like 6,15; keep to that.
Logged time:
8,52
